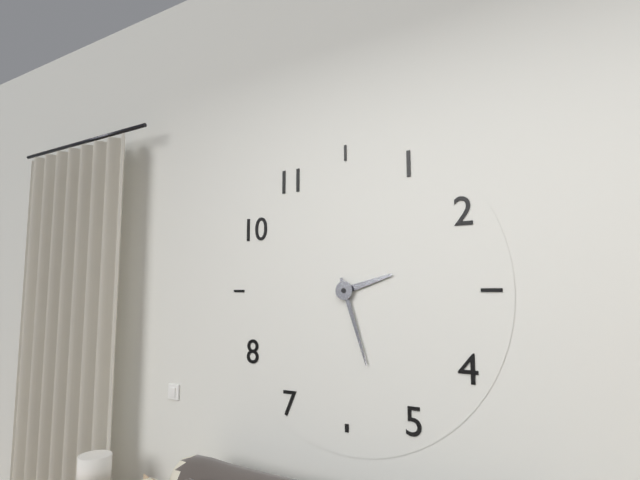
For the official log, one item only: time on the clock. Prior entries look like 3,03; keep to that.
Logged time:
2,27
